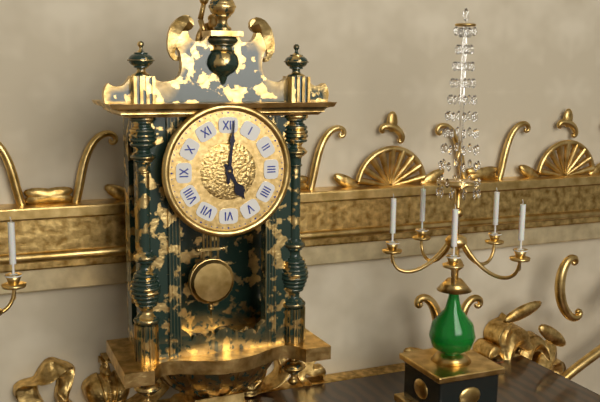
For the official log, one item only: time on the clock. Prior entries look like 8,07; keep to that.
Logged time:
5,01
